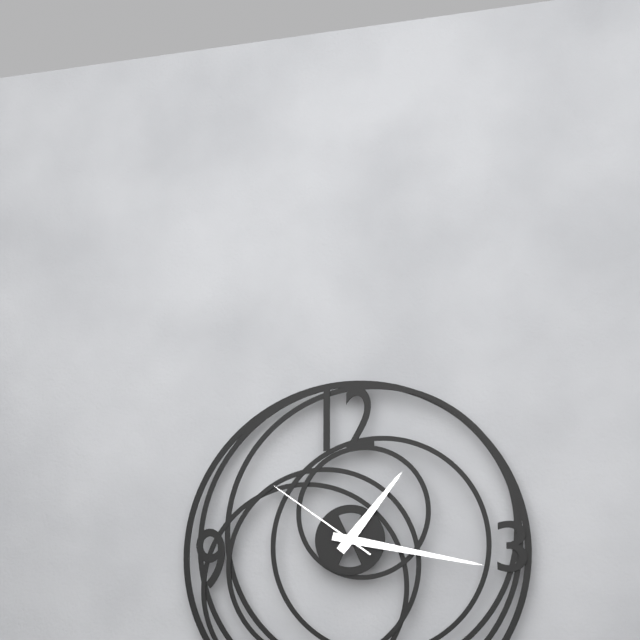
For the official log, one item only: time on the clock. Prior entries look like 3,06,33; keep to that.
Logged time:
1,17,51
